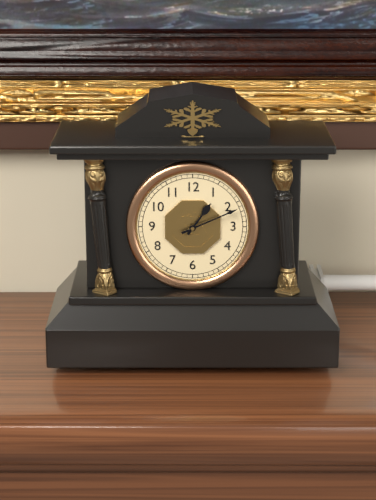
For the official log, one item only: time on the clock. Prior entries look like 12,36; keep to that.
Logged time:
1,11
